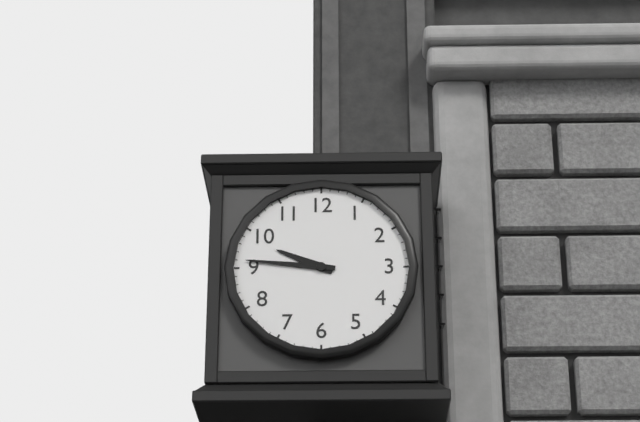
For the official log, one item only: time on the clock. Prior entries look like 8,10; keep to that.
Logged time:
9,46
